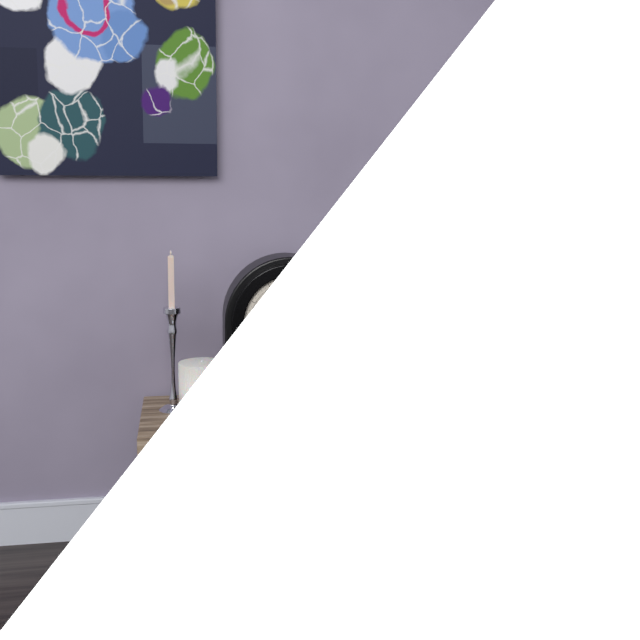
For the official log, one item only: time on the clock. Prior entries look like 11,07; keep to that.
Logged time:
9,10
